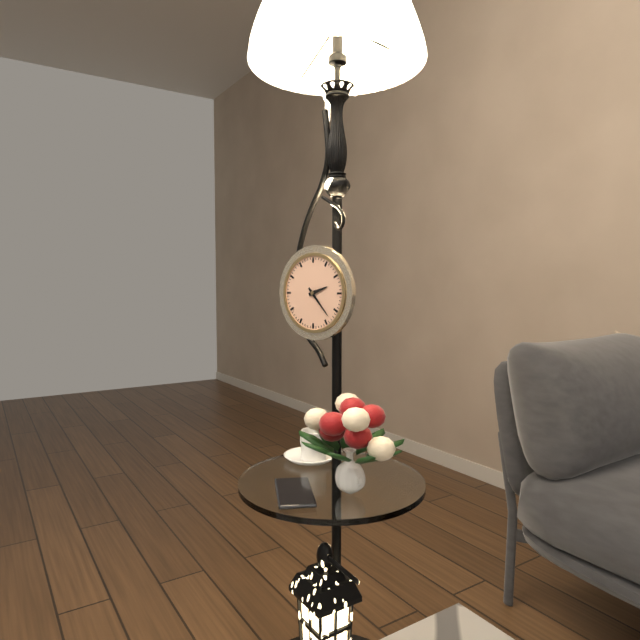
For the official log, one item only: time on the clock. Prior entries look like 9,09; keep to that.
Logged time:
2,23
